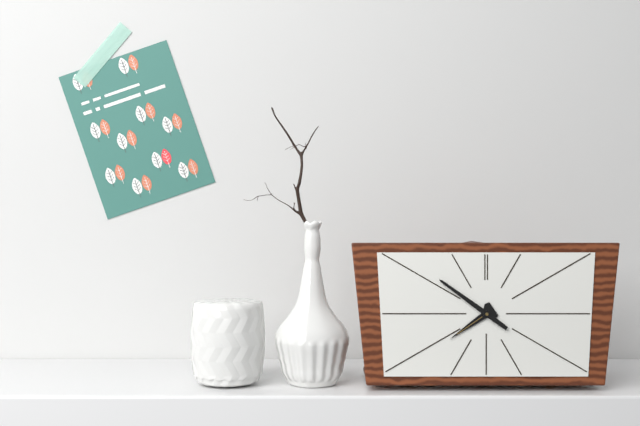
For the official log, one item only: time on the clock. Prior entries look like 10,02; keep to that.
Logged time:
7,51
